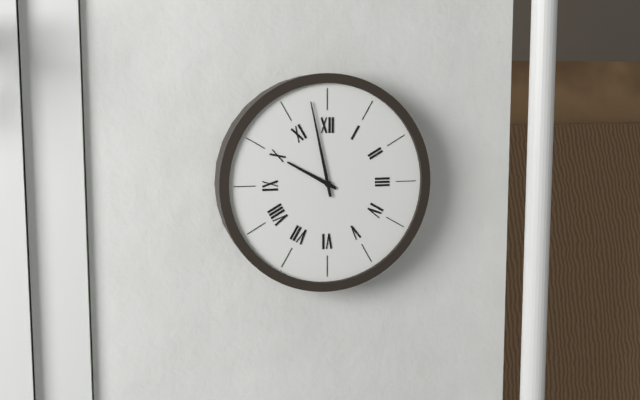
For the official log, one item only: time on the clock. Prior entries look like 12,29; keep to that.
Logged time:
9,58
